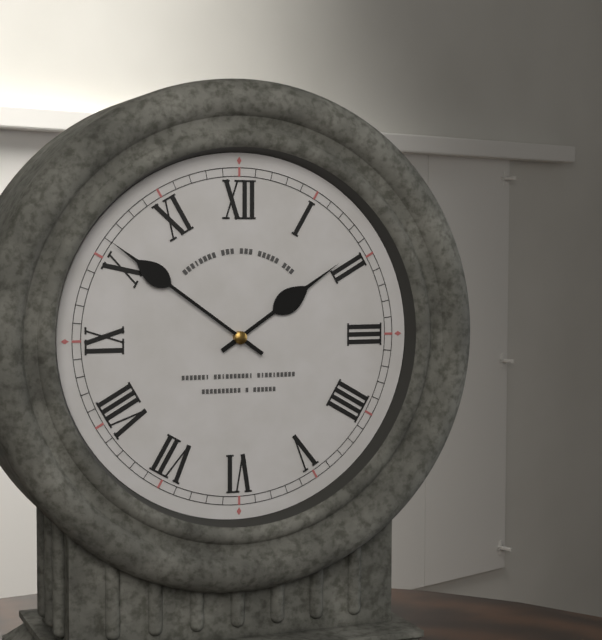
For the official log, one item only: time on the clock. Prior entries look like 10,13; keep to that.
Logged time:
1,51
